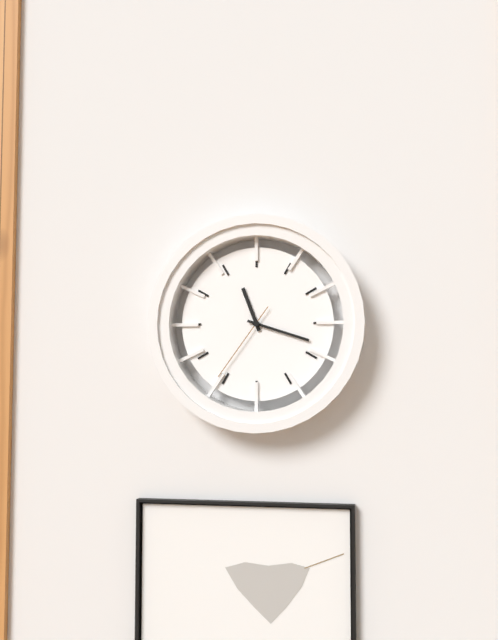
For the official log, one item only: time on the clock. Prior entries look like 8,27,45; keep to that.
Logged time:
11,18,36
